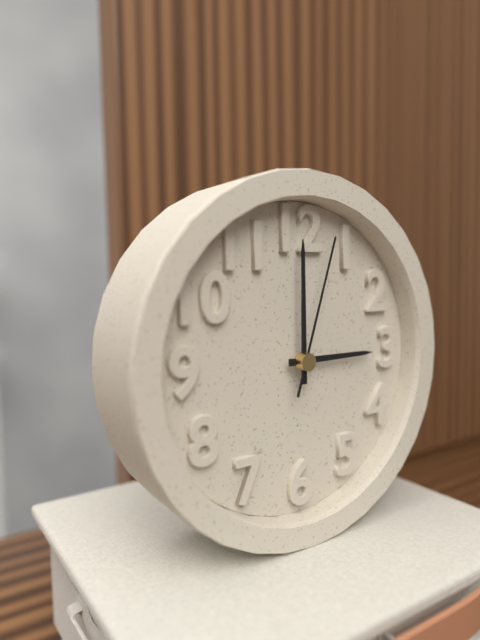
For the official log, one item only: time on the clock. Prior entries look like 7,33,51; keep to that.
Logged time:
3,00,03
